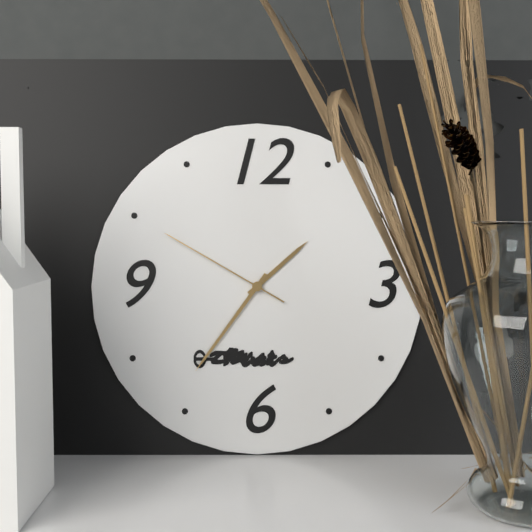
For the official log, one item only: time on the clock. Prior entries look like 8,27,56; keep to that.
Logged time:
1,36,50
